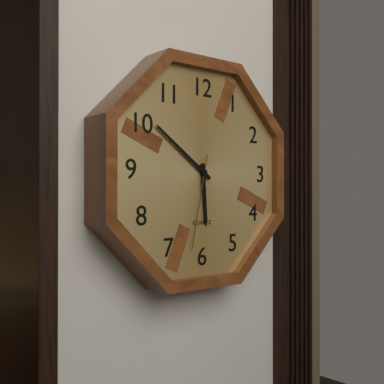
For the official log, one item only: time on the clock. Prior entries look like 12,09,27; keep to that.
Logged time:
5,51,32
